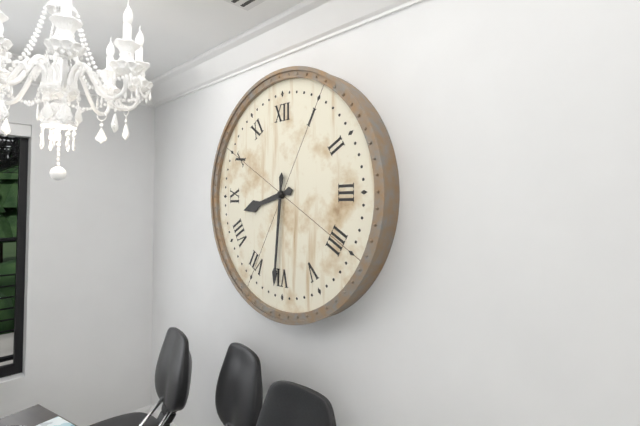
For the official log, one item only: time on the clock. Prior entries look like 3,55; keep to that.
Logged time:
8,31
